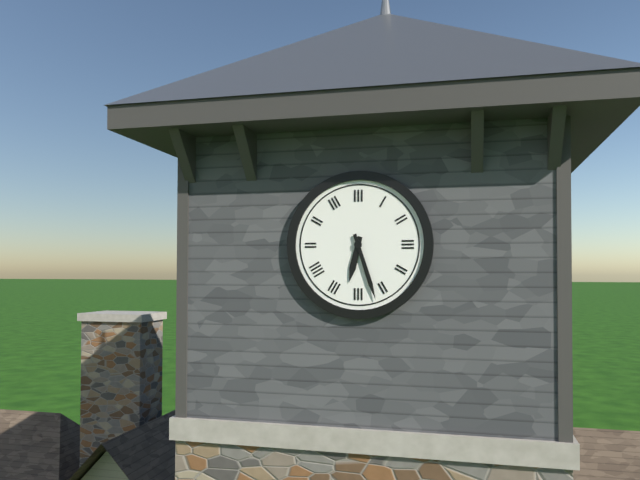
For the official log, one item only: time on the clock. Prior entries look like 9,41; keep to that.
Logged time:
6,27
